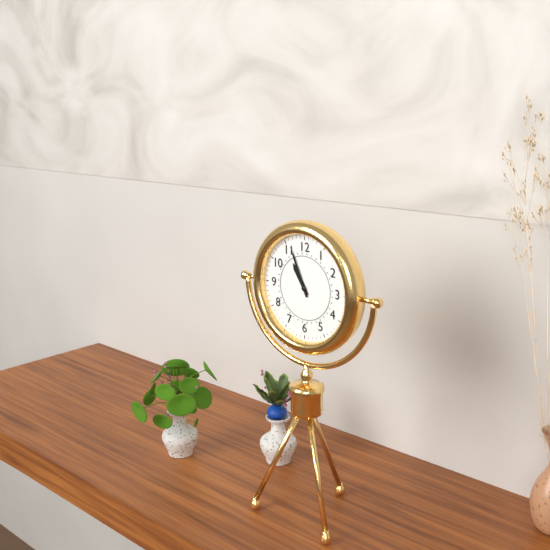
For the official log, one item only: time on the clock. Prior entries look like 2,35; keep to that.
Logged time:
10,56
